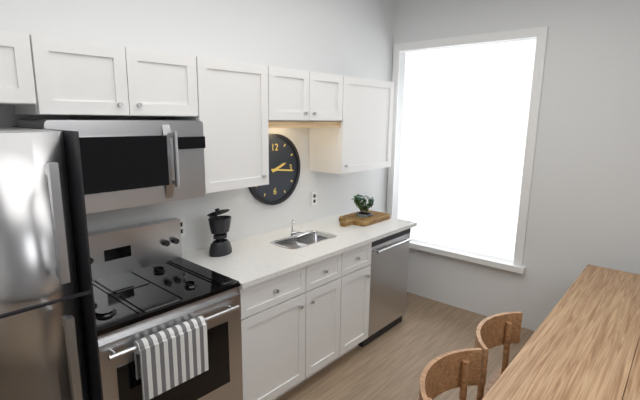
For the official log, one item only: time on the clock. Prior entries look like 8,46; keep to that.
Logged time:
2,16
